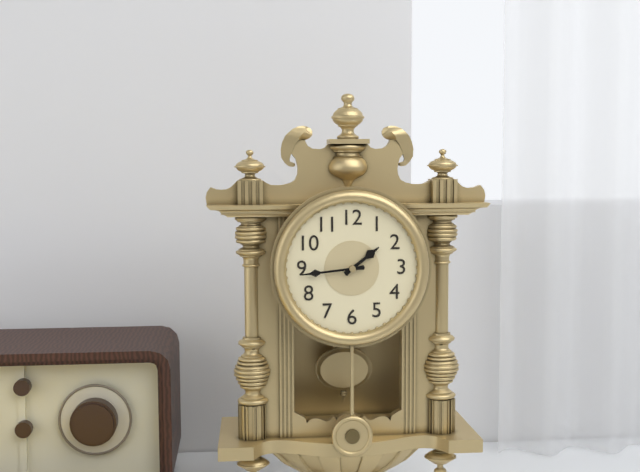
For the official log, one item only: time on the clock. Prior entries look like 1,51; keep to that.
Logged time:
1,44
